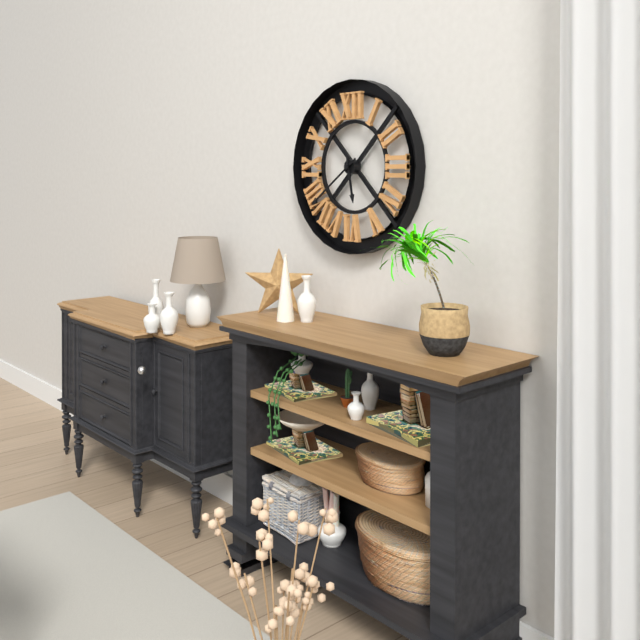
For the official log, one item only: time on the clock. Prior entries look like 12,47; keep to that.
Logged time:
5,39
